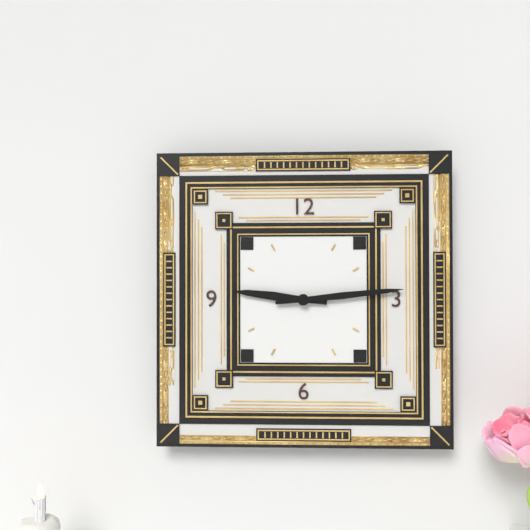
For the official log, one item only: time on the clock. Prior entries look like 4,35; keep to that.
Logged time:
9,14
